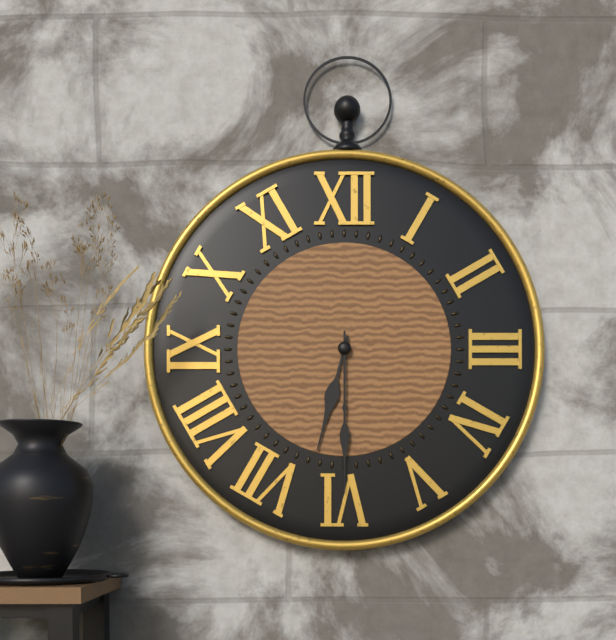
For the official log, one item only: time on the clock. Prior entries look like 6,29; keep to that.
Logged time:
6,30
